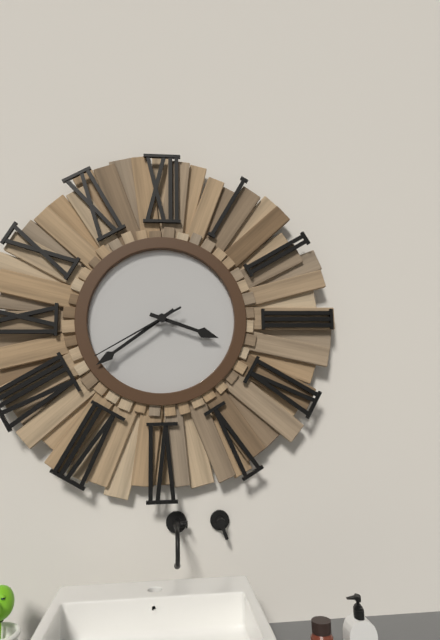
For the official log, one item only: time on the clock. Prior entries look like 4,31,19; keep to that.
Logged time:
3,39,40
